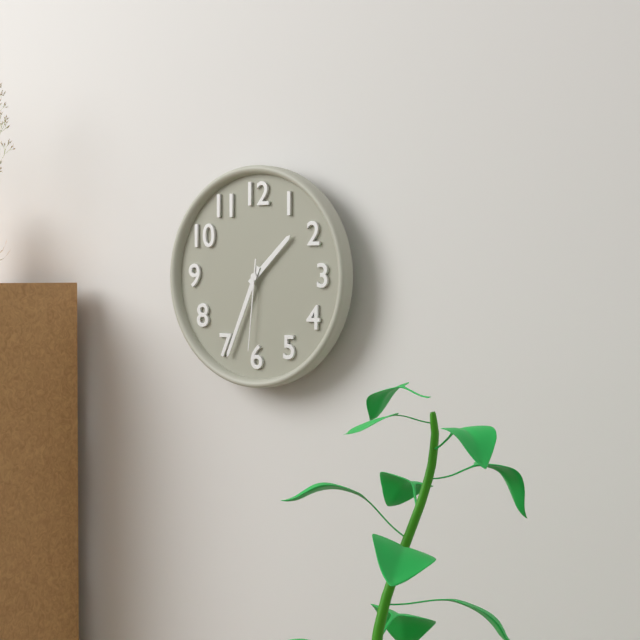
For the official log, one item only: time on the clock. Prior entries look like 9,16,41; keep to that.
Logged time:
1,34,31
